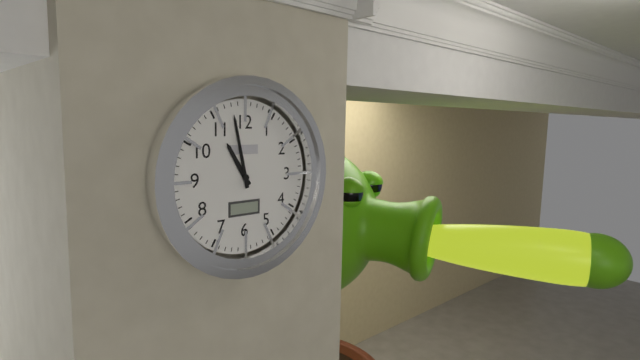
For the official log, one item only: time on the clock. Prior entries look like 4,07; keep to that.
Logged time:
10,58
